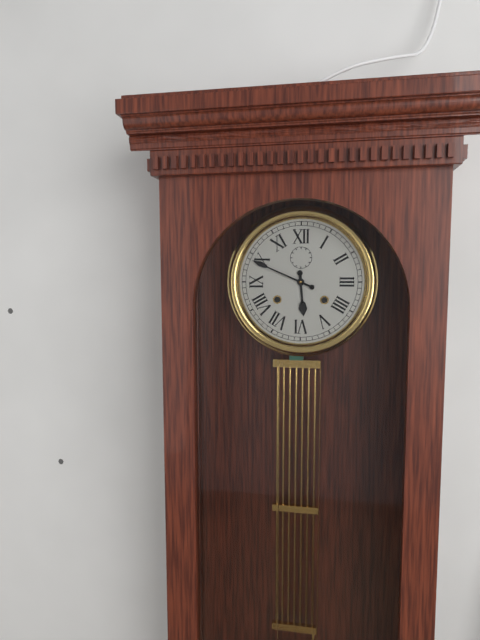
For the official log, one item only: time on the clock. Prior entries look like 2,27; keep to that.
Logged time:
5,49
